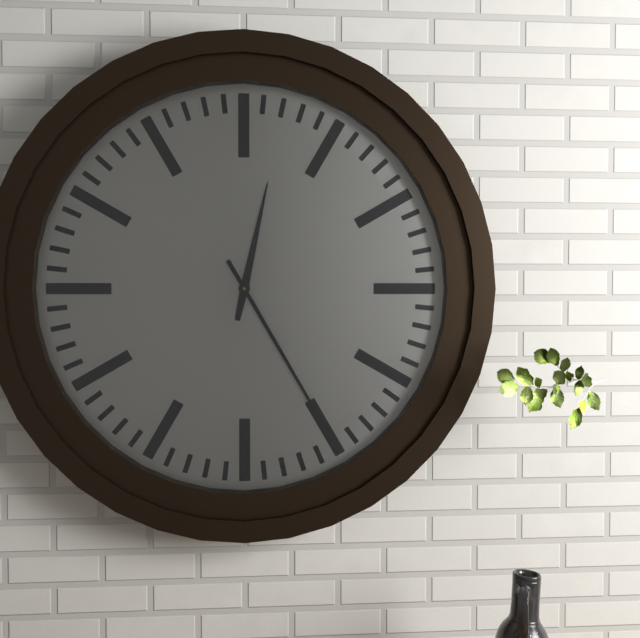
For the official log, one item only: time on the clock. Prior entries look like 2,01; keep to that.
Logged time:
12,25
